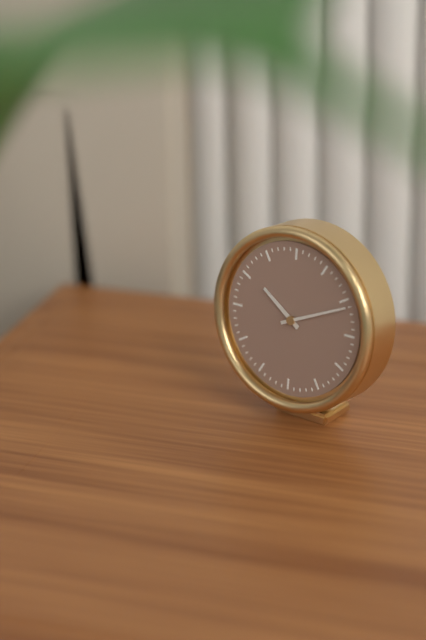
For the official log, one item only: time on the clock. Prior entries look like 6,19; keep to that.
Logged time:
10,11
